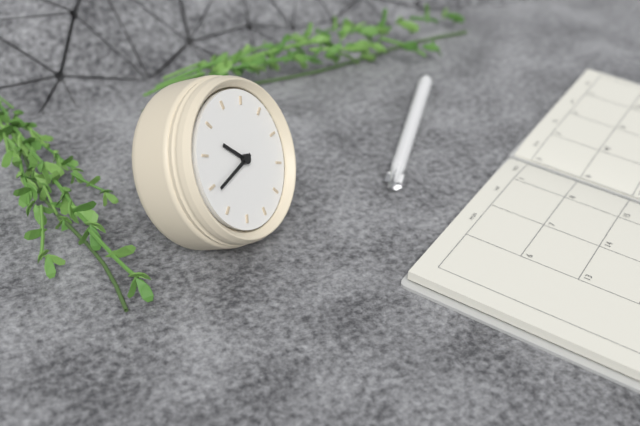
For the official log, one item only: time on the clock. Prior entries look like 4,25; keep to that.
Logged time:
9,39
